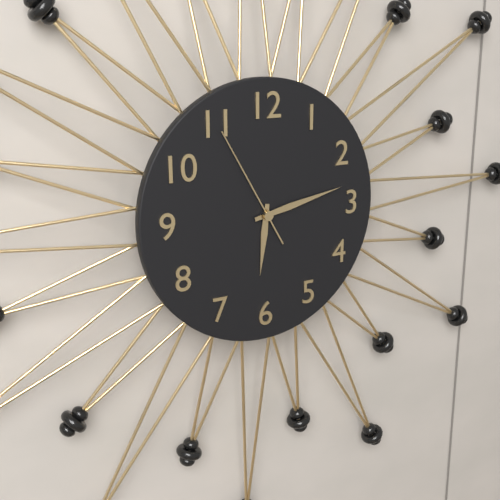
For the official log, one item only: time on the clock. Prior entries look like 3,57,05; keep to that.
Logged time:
6,13,55
